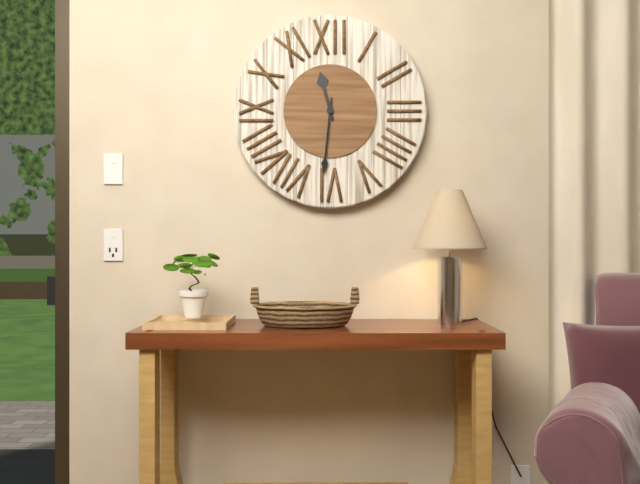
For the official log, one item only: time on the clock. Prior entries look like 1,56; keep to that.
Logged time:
11,31
